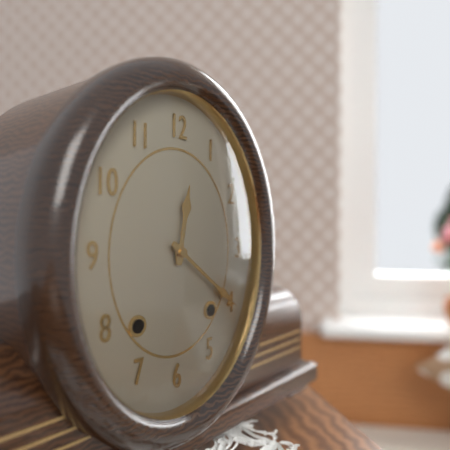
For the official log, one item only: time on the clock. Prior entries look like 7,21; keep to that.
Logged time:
12,21
